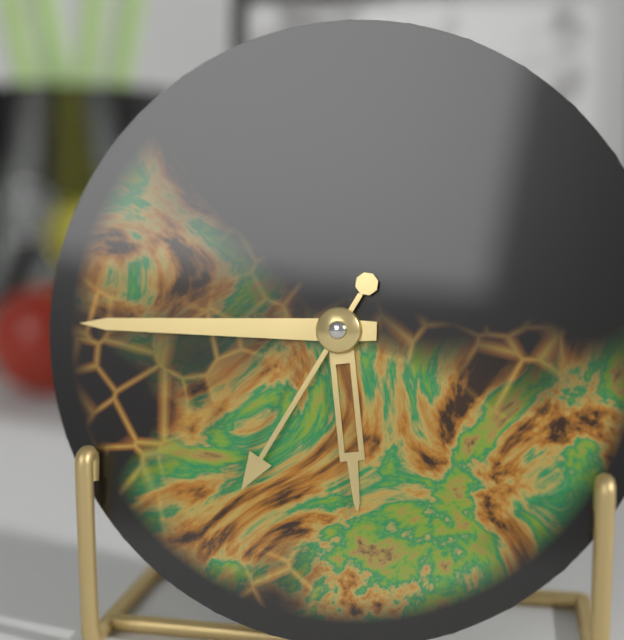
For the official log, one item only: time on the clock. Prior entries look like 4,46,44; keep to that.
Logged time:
5,45,35
